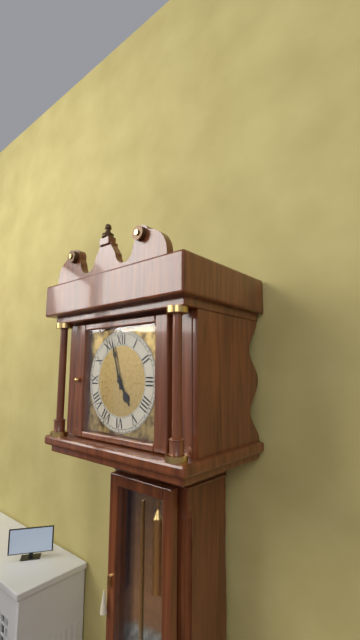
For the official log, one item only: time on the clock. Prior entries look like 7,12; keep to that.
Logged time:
4,57
